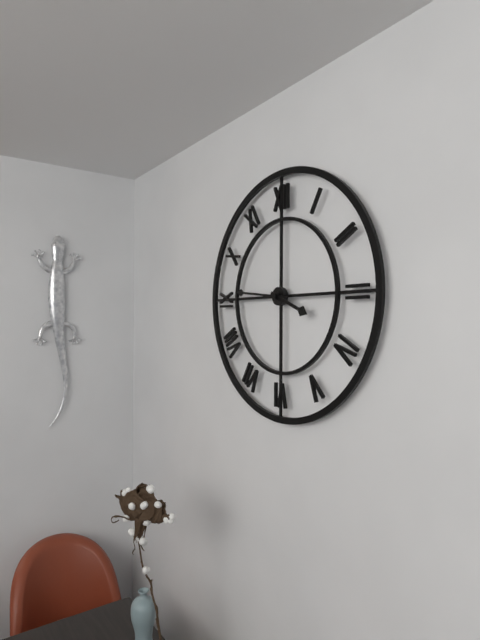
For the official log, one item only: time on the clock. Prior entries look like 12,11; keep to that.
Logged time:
3,46
